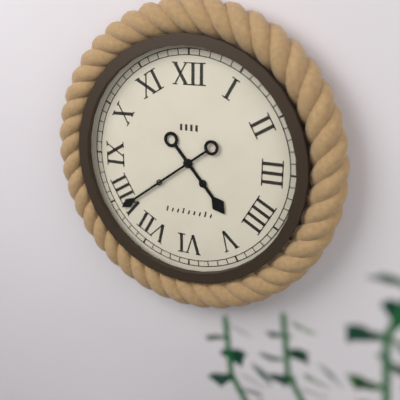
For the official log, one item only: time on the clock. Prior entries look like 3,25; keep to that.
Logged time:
4,39
